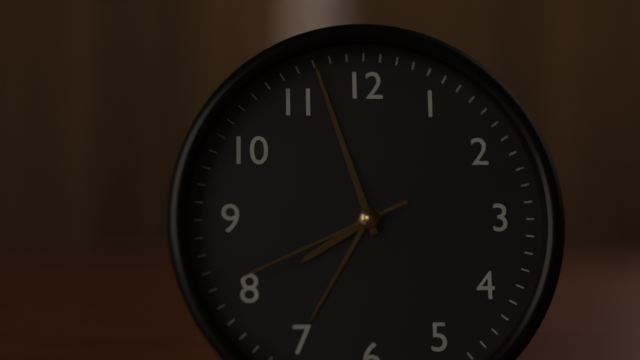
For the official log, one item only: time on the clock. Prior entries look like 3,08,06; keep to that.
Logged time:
7,57,41
